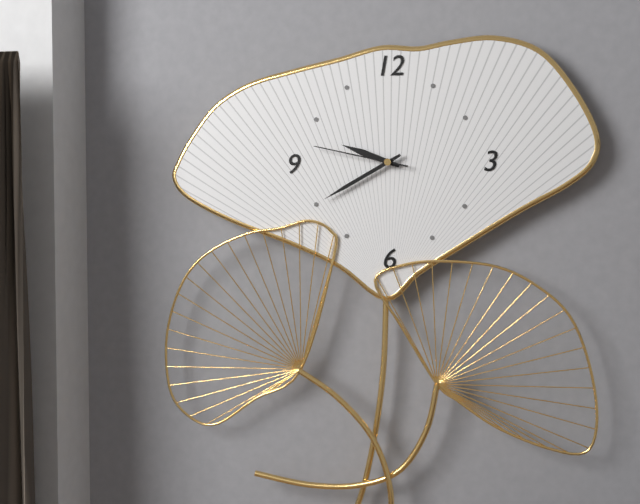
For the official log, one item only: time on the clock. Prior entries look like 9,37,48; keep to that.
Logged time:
9,40,47
